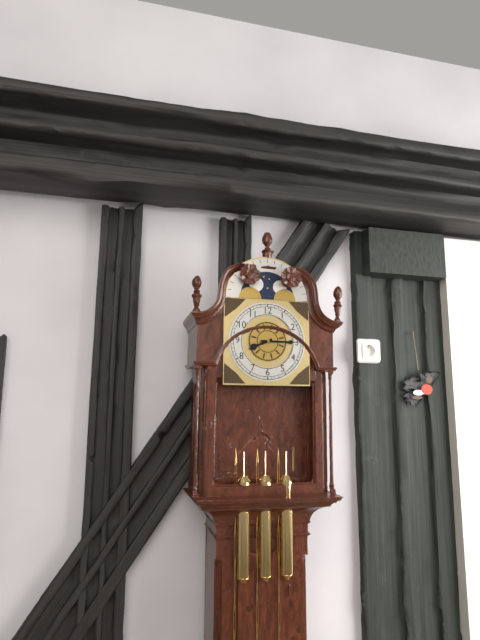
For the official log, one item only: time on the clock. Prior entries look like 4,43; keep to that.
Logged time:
8,15
